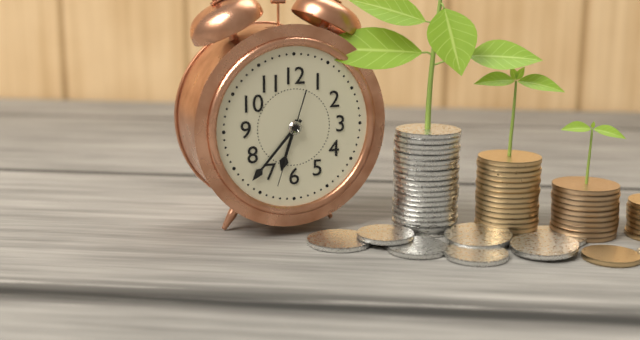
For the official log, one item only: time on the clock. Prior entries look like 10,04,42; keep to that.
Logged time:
6,37,33
